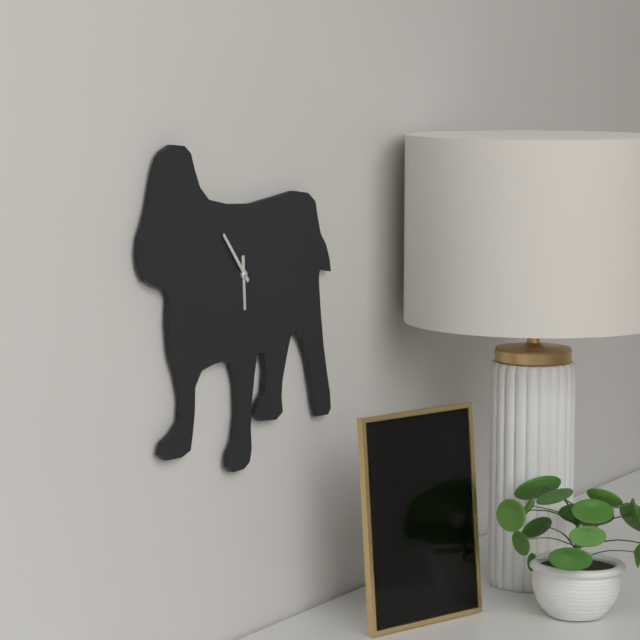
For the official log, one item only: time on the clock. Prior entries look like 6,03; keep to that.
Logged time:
5,53
